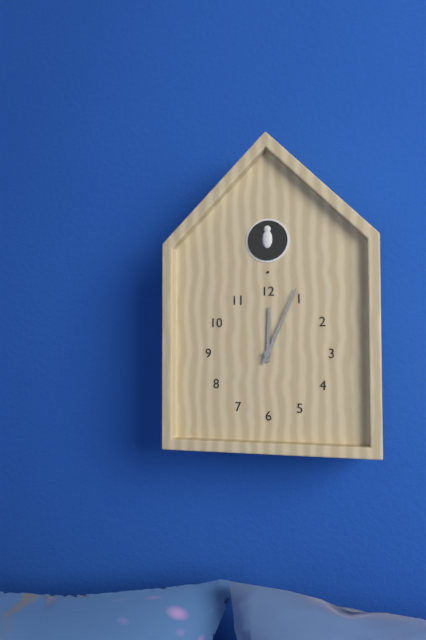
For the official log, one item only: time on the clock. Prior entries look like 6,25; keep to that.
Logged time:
12,04
